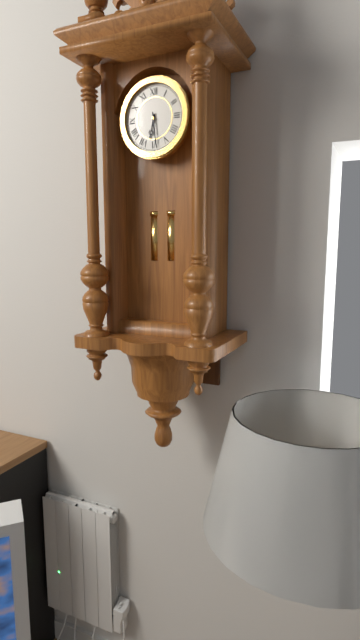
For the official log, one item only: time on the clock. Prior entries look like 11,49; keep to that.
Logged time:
6,29
